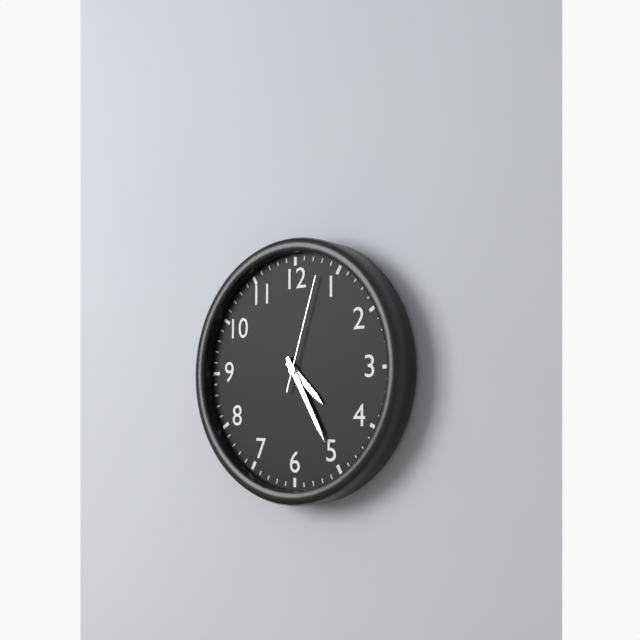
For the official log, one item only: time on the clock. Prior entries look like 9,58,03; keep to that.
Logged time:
4,25,03
